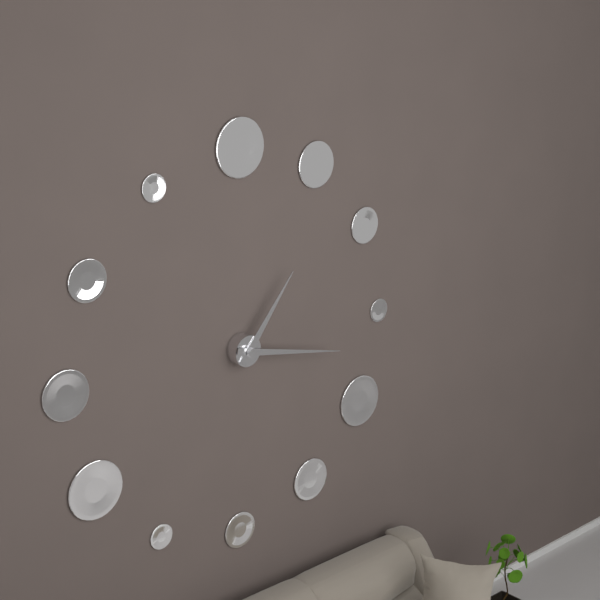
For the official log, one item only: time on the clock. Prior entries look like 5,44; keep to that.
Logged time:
1,17
